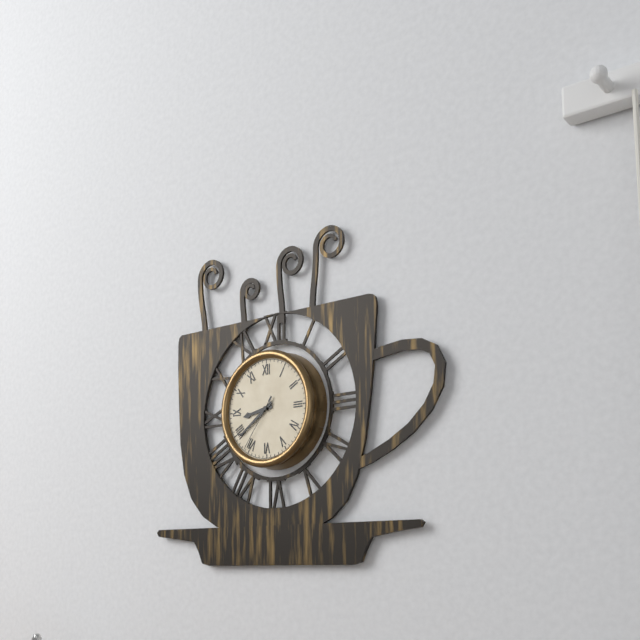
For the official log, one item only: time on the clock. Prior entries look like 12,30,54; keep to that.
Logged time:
8,39,36
